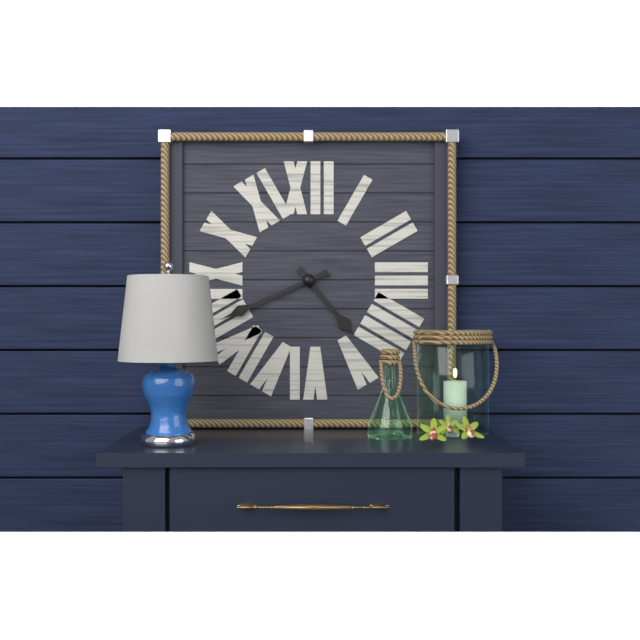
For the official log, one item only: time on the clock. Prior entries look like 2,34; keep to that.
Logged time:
4,41
